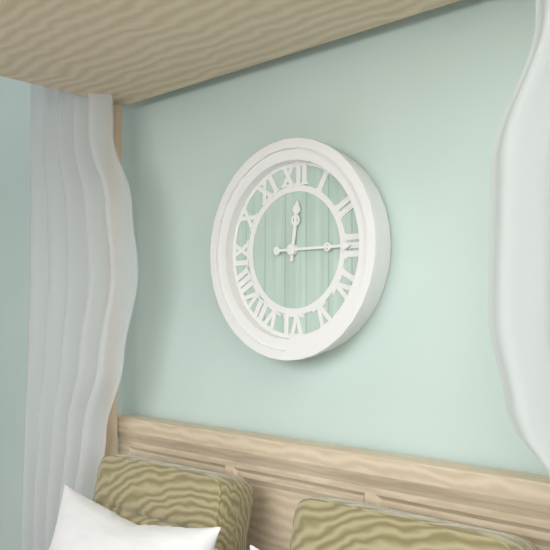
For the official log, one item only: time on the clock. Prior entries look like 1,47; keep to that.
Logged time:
12,15
